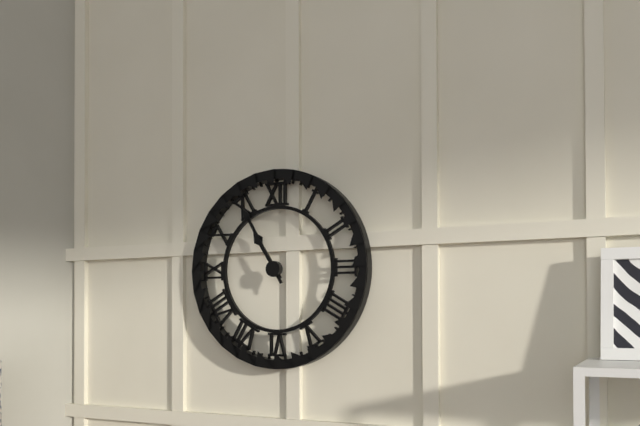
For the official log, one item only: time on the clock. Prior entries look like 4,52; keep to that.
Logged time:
10,55
